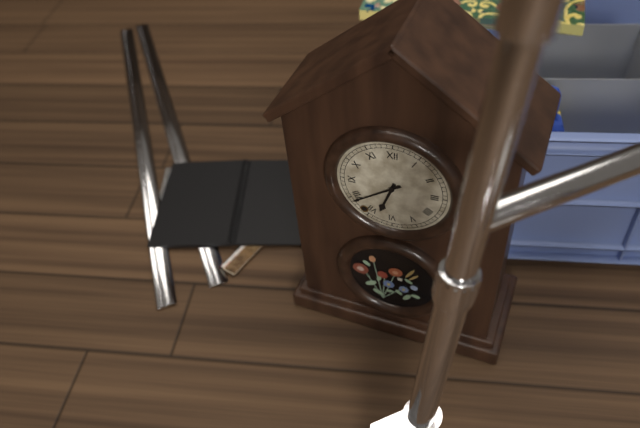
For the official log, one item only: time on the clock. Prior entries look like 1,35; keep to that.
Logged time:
6,39
